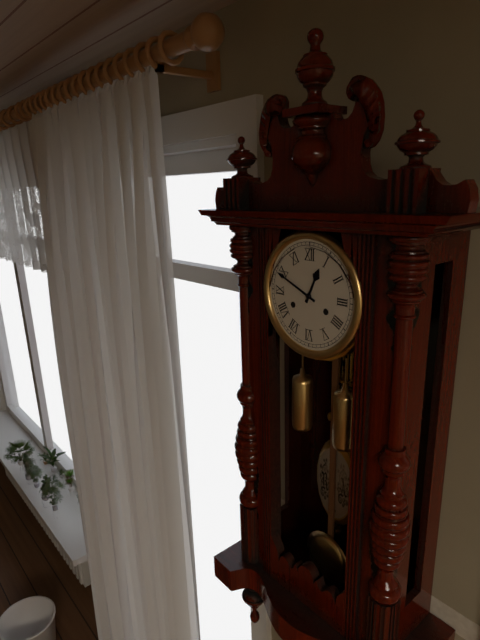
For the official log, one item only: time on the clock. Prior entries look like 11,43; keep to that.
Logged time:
12,49
